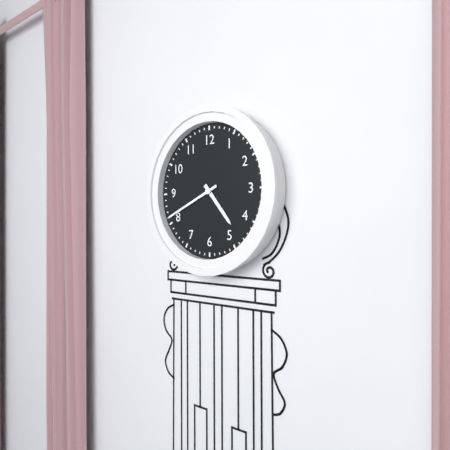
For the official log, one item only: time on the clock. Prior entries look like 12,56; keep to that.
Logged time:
4,41
